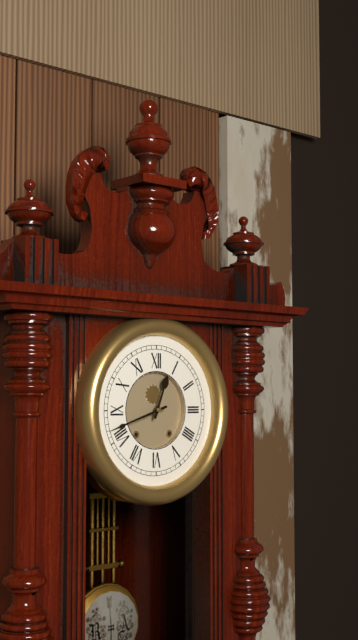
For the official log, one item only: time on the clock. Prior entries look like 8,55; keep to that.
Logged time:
12,42
